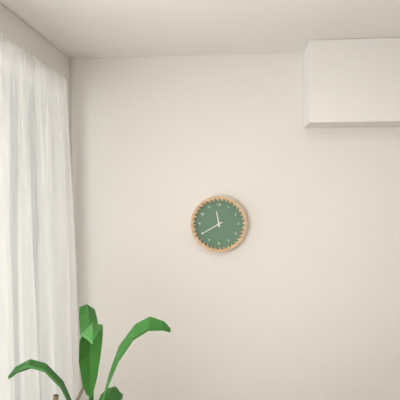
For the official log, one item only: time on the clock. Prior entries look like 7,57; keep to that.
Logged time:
11,40
